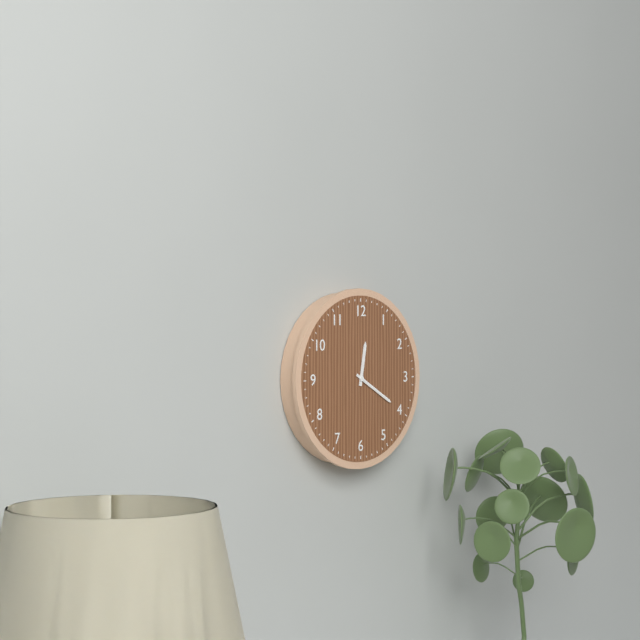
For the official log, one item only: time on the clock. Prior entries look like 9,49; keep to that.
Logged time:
12,20
